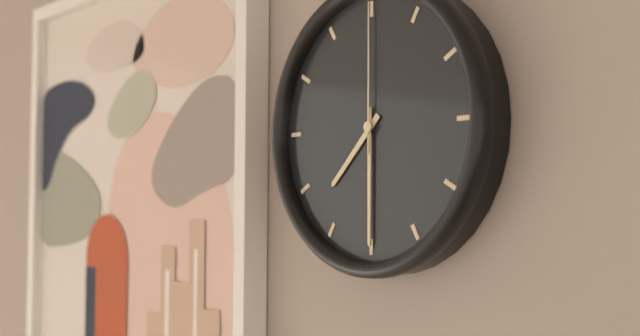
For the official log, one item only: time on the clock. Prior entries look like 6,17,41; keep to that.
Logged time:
7,30,00
